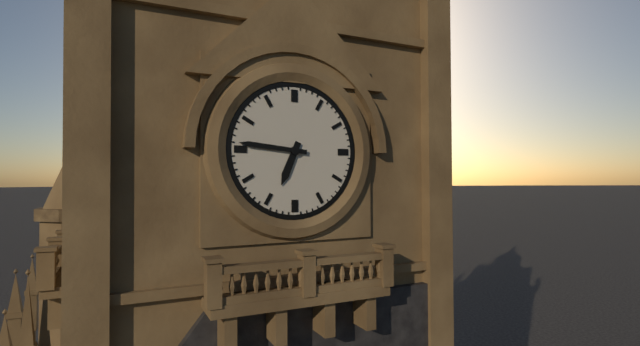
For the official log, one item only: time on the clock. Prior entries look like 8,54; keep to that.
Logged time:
6,46
